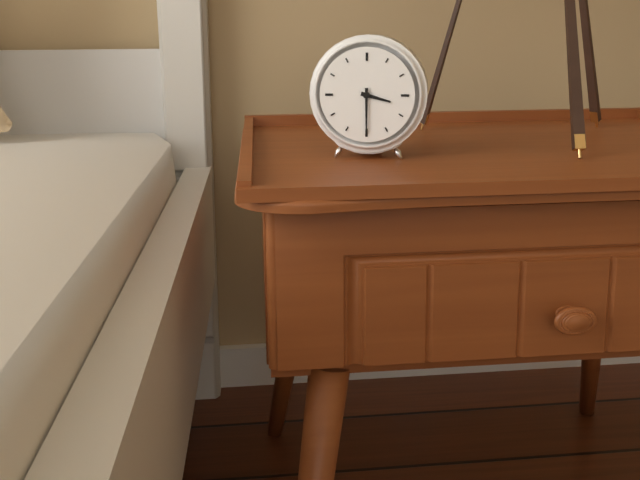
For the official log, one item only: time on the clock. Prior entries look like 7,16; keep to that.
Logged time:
3,30
